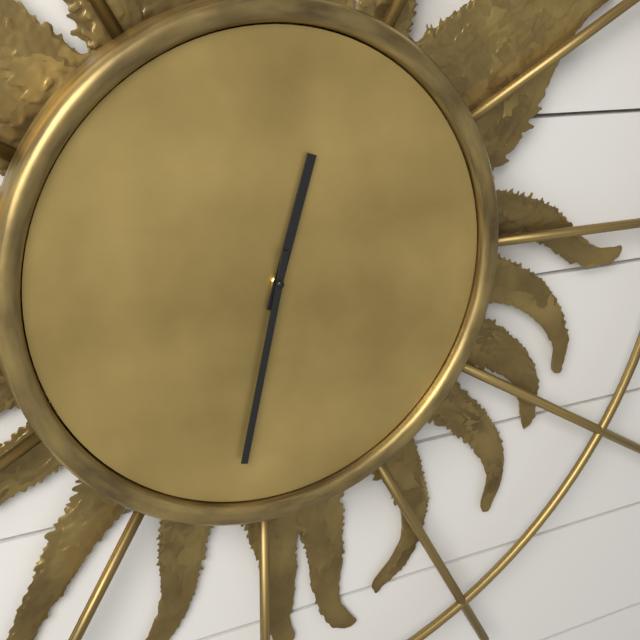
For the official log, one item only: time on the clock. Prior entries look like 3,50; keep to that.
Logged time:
12,32
